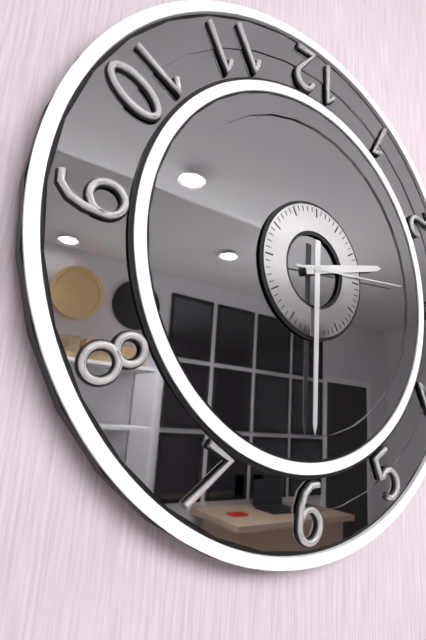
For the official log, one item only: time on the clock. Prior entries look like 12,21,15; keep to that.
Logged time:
2,30,14
